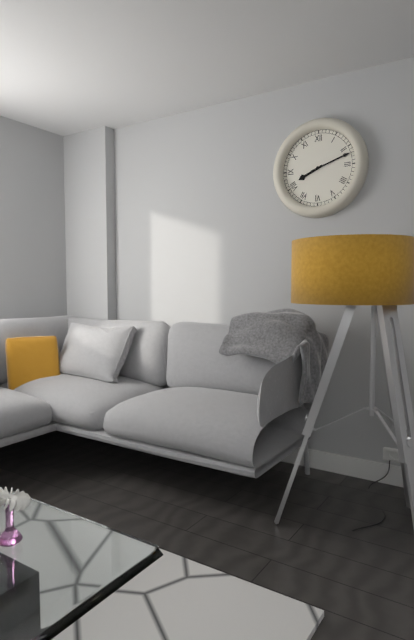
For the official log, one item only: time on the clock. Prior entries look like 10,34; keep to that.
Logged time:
8,12
